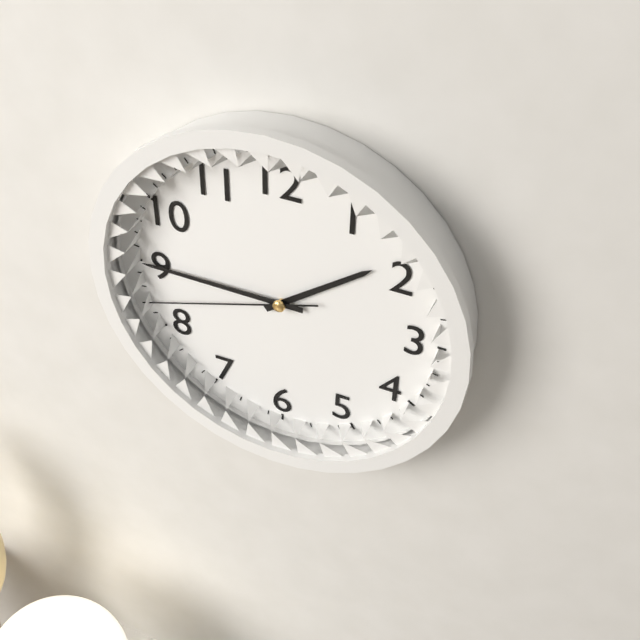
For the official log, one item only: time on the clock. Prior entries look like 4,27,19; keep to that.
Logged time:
1,45,42
